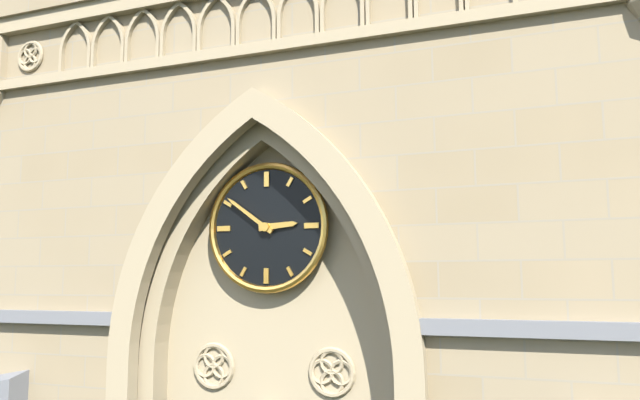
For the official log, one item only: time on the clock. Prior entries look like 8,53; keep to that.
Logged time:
2,51
